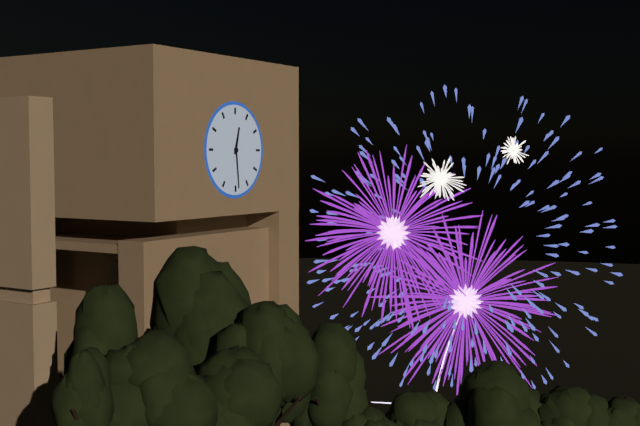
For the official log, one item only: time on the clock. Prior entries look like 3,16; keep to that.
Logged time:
12,29
